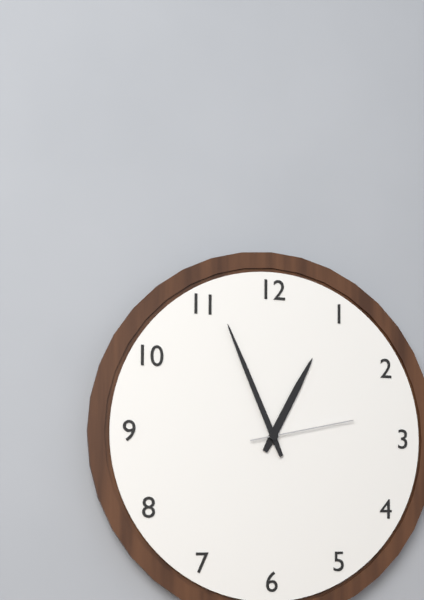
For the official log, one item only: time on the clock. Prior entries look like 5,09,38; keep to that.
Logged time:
12,56,13
